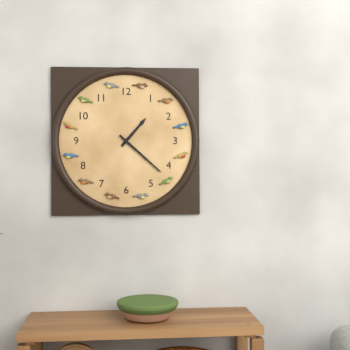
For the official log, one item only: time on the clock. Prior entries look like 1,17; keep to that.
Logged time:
1,22
